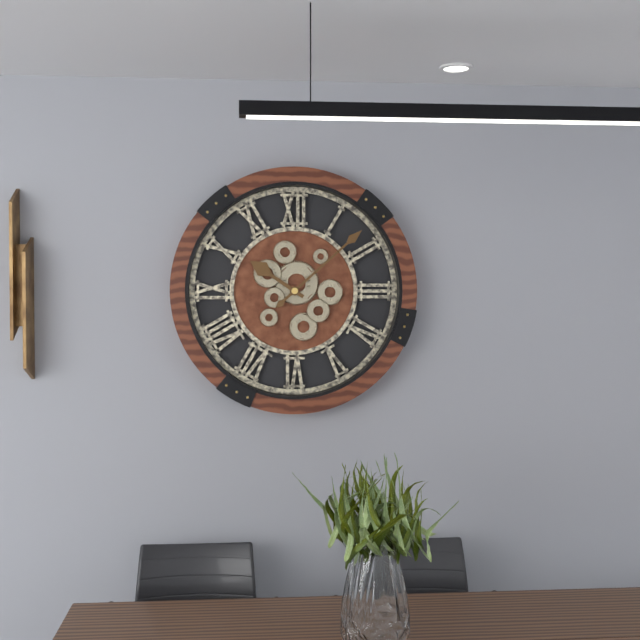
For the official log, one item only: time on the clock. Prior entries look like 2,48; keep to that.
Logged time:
10,08
